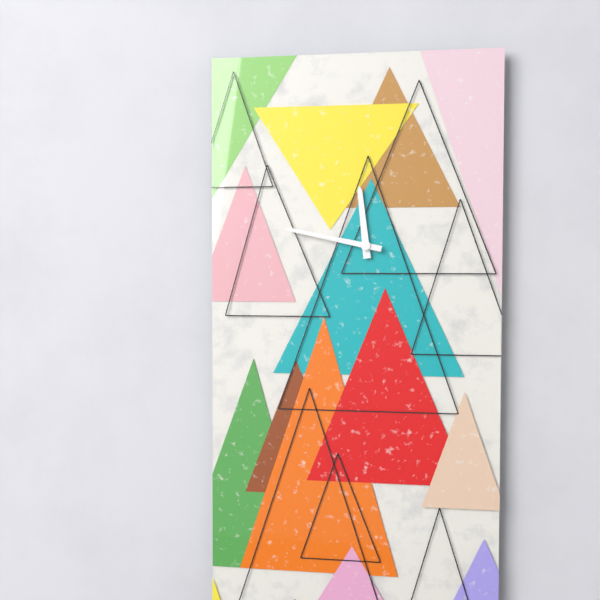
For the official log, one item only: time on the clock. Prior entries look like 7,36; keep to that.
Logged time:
11,47
